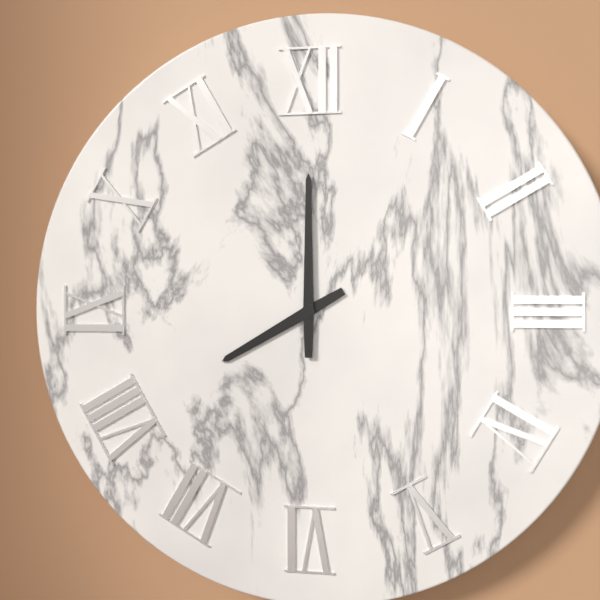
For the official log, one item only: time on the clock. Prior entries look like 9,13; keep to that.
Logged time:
8,00
